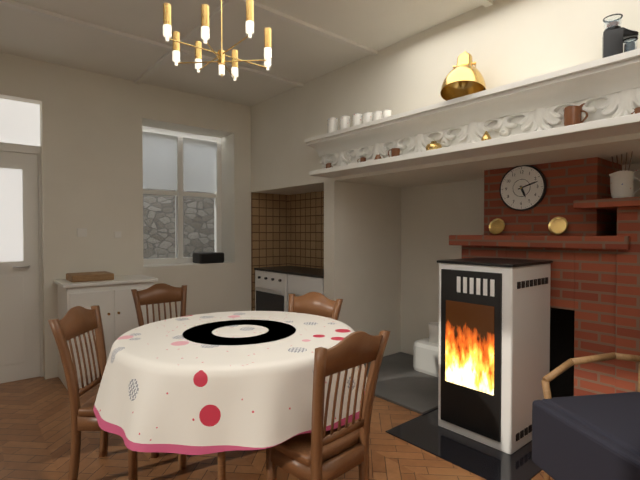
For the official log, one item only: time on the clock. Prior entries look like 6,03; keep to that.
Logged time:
5,12
